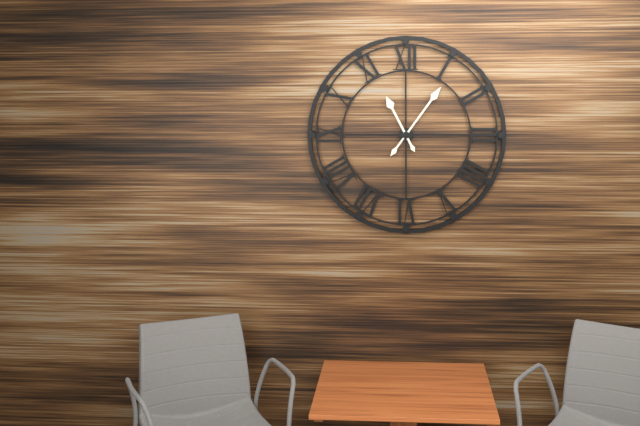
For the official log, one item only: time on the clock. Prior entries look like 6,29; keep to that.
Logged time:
11,06
